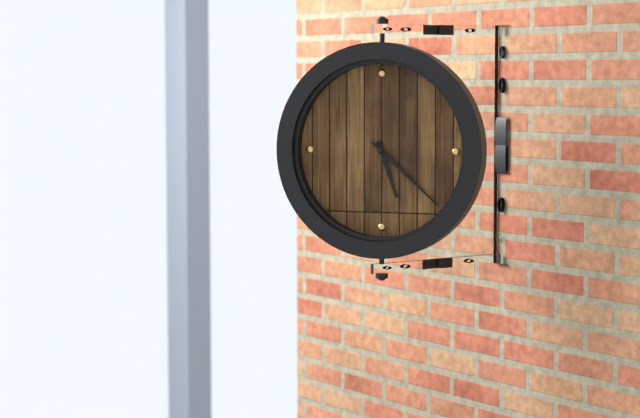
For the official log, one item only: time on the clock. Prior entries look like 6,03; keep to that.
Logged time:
5,22
